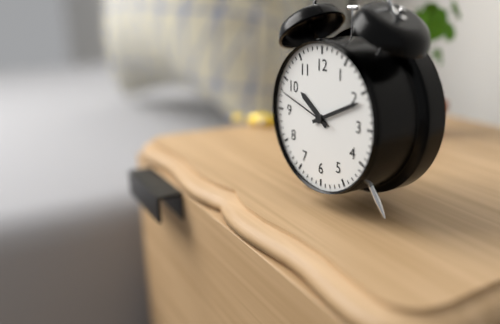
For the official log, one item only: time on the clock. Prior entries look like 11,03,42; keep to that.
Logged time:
10,11,48
